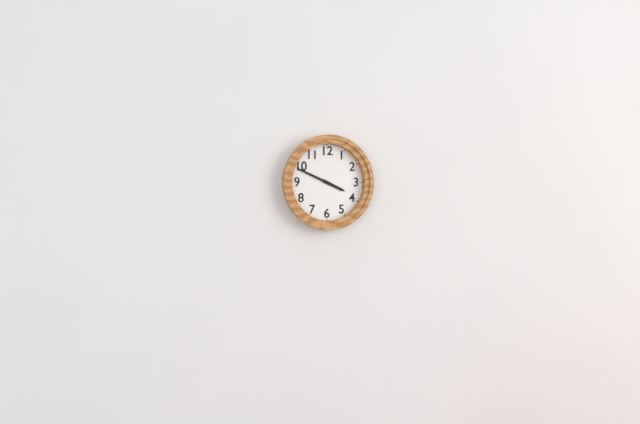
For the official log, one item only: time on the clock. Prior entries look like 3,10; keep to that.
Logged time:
3,49
